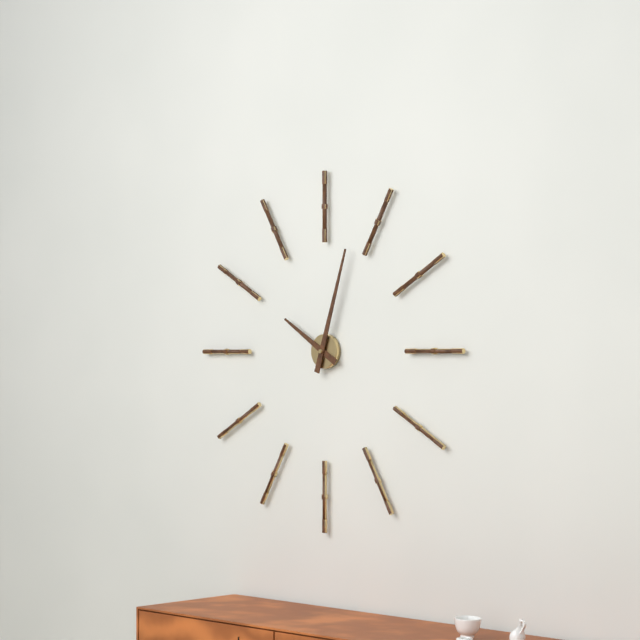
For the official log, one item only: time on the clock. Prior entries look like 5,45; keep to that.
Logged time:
10,03
